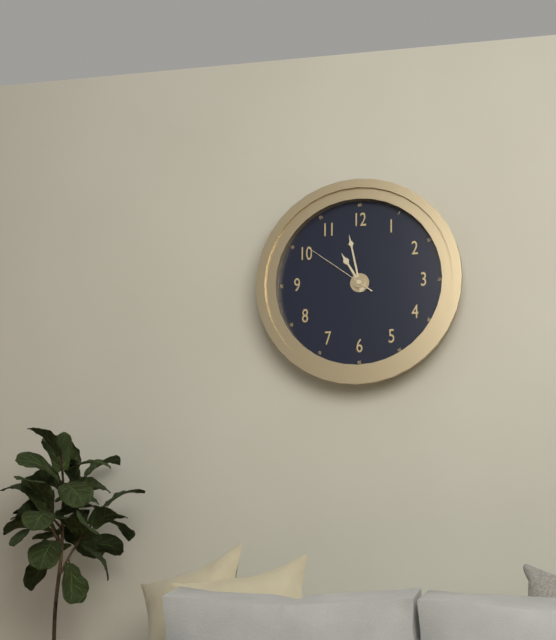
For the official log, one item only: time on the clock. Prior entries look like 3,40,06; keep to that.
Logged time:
10,58,51
